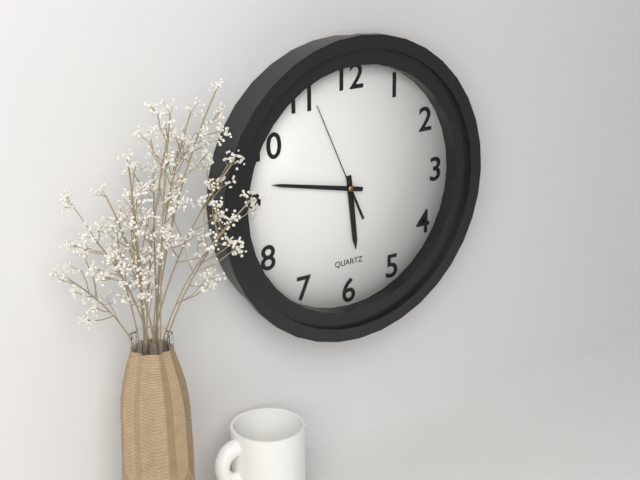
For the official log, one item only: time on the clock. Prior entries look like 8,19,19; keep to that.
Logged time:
5,47,56
